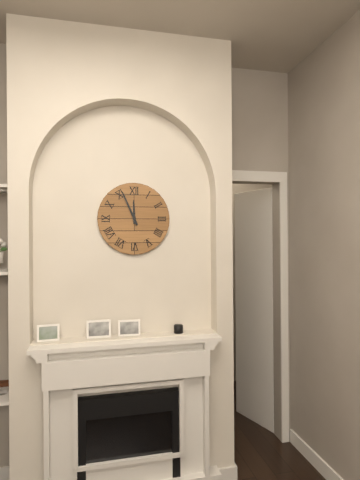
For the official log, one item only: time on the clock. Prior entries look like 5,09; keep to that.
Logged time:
11,56
